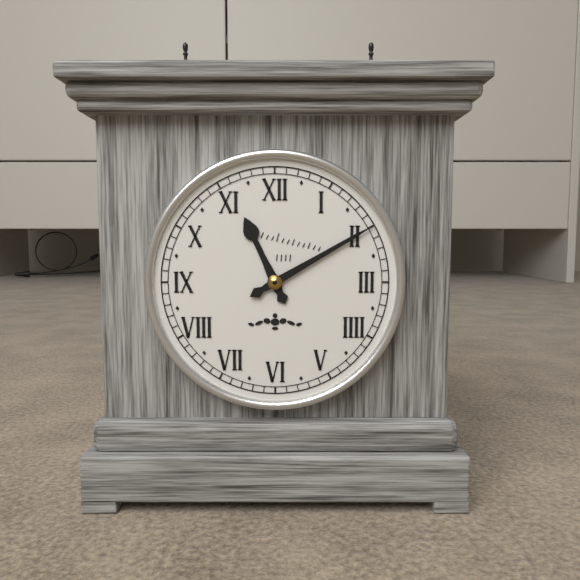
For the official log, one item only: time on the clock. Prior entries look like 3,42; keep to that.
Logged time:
11,10
